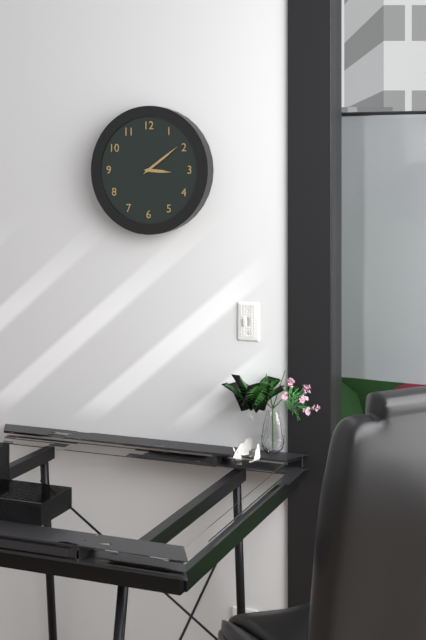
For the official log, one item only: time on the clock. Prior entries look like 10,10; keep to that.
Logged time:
3,09
